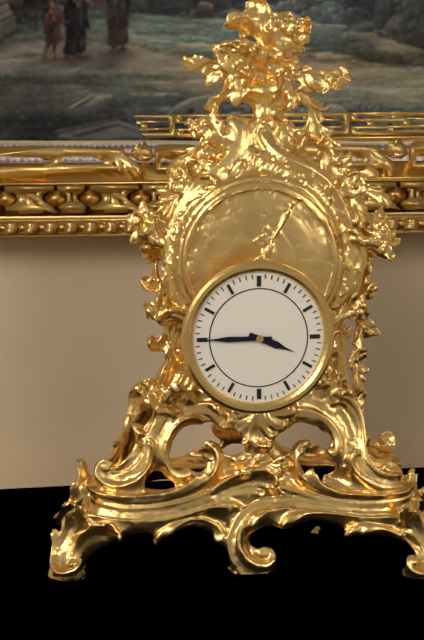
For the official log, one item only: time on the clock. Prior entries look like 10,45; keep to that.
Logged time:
3,45
